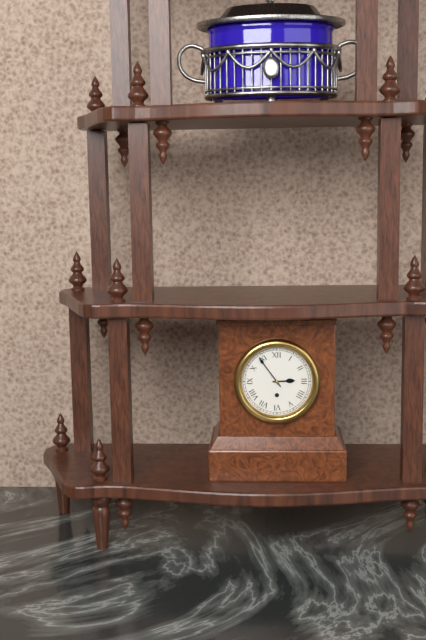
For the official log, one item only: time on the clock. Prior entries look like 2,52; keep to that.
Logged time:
2,54
